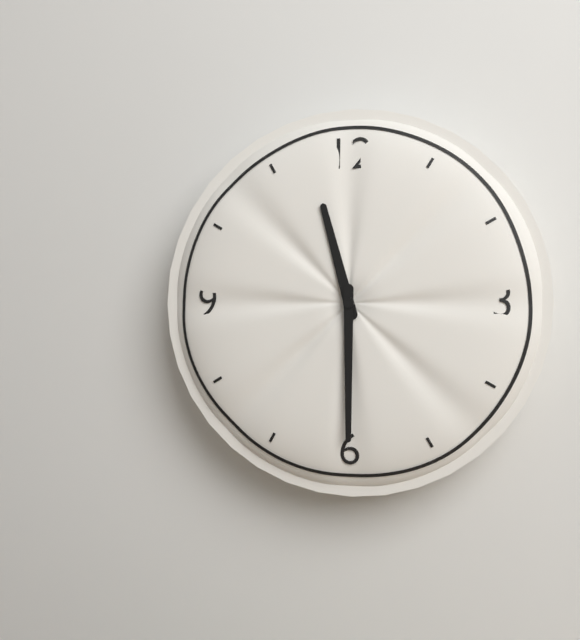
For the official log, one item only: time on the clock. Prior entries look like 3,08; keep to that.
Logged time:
11,30
